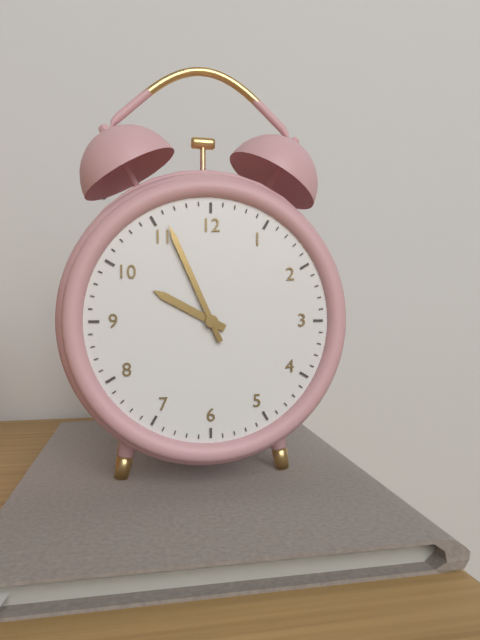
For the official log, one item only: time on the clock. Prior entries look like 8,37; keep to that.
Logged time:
9,56
